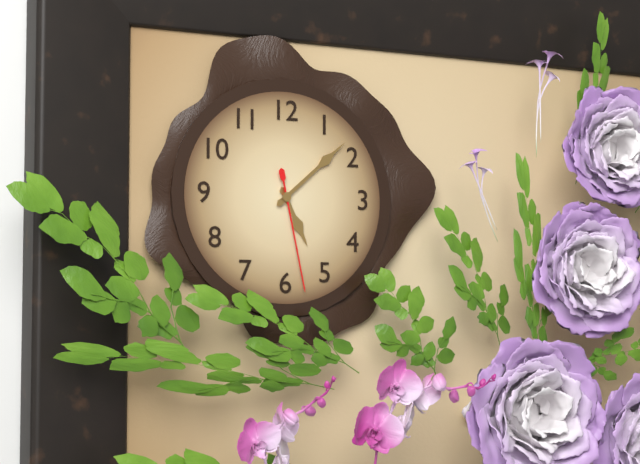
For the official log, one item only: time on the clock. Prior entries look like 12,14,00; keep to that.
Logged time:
5,08,28
